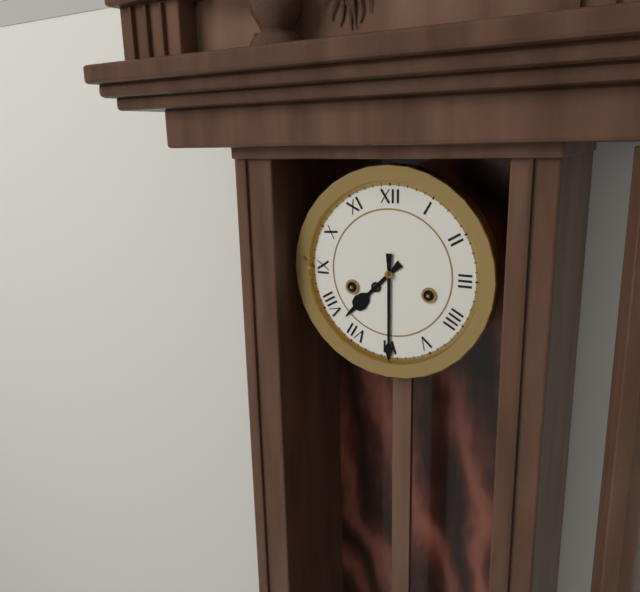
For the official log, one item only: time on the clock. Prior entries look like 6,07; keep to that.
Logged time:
7,30
